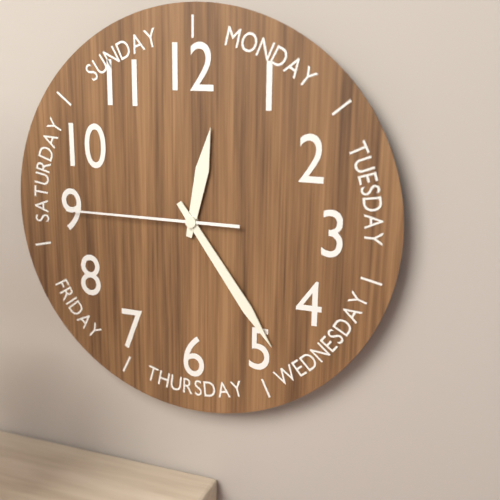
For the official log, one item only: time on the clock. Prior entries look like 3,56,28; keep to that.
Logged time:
12,24,45
